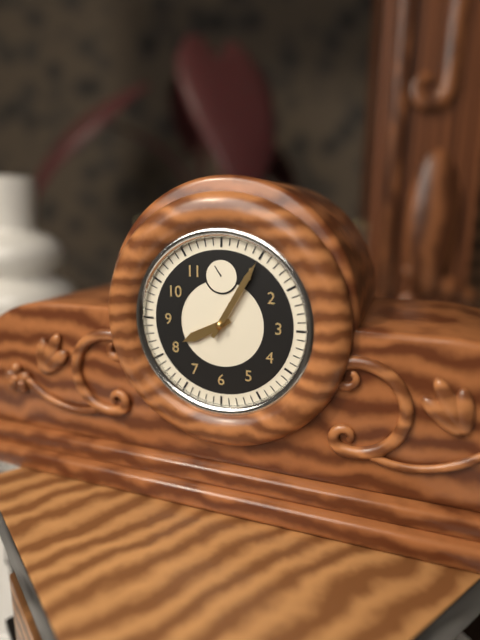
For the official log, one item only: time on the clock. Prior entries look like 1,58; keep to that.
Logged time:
8,05
